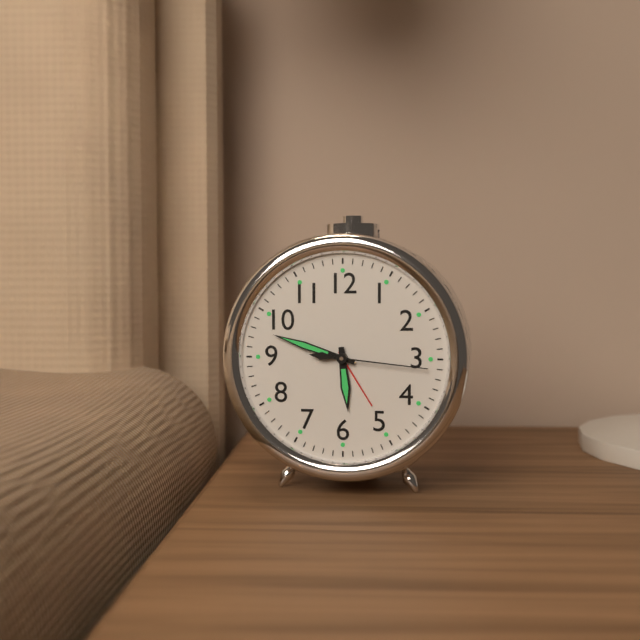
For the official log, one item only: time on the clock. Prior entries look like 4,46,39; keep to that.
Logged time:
5,48,16
